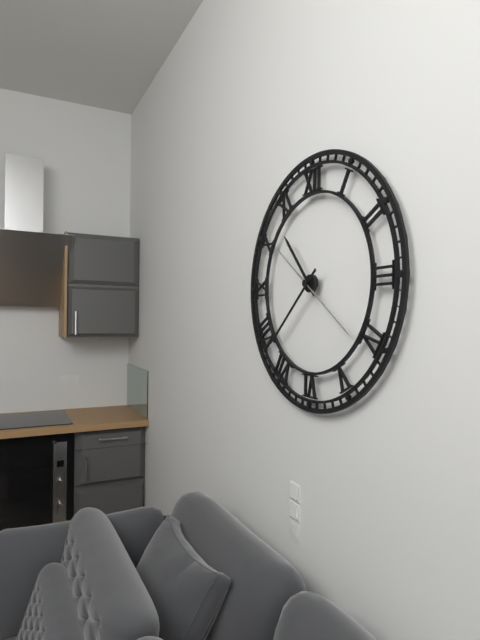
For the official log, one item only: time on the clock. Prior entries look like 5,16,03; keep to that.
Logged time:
10,38,21
